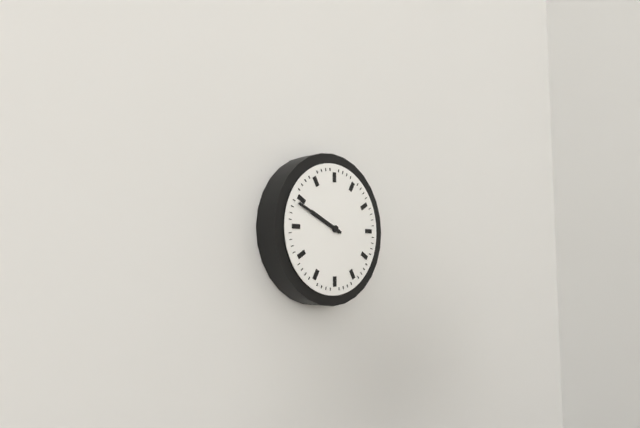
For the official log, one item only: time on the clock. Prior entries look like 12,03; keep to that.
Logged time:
9,49
